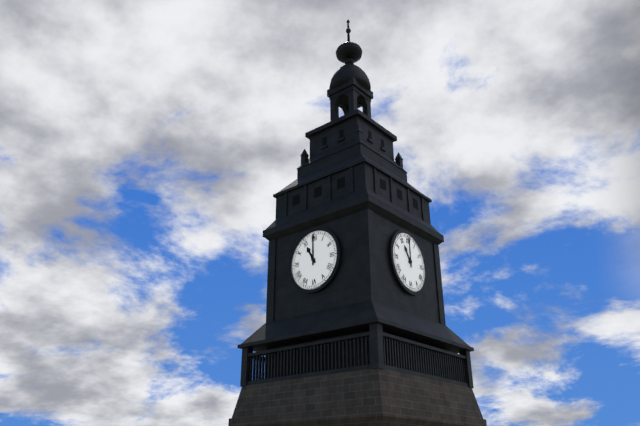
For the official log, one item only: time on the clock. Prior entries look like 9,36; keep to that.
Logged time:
11,00
